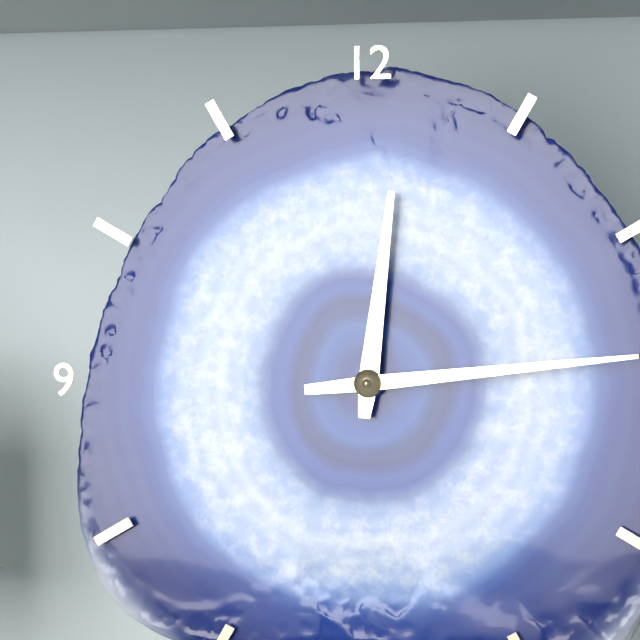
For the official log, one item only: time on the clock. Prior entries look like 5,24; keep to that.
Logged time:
12,14
